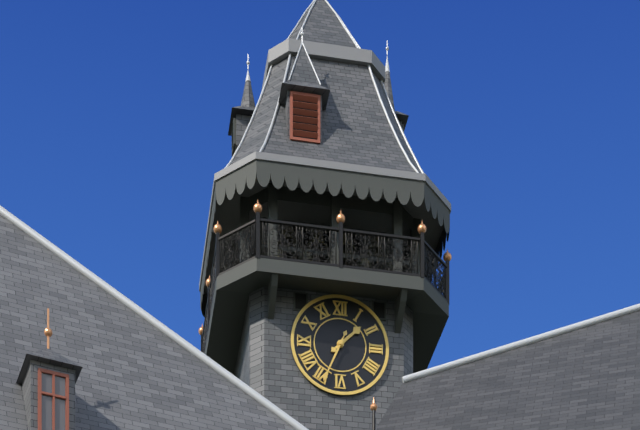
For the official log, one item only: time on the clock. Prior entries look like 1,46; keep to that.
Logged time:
1,34
